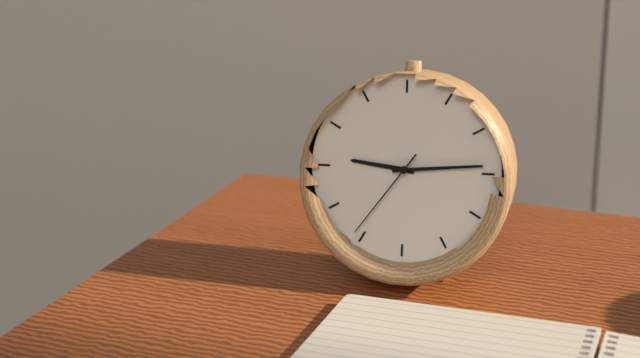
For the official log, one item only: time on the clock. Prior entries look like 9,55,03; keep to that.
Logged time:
9,14,36
